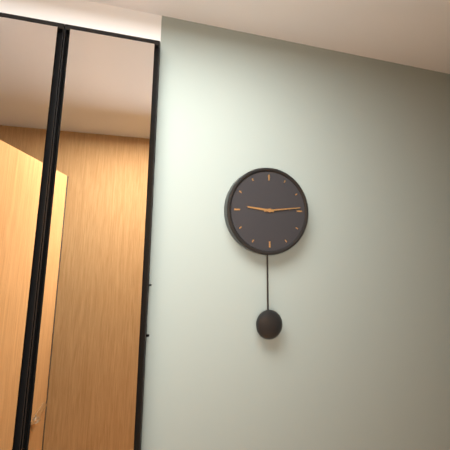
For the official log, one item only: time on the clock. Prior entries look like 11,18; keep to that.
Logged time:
9,14
